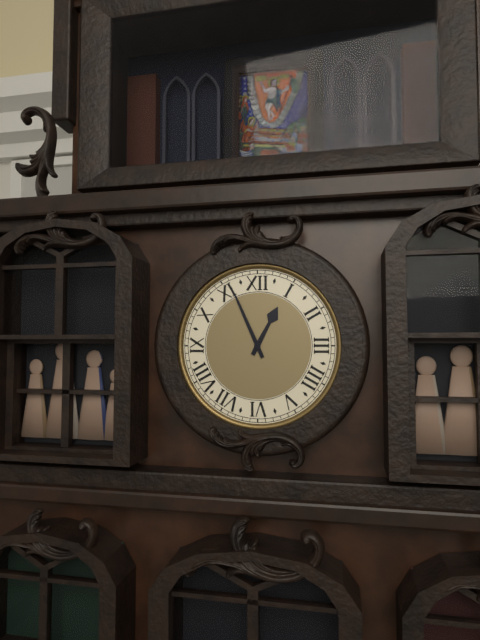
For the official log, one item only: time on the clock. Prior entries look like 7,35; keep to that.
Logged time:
12,56
